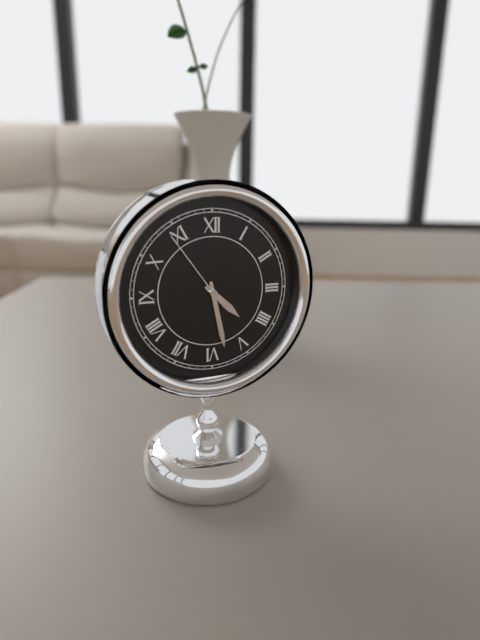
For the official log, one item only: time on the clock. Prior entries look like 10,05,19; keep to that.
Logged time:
4,28,54
